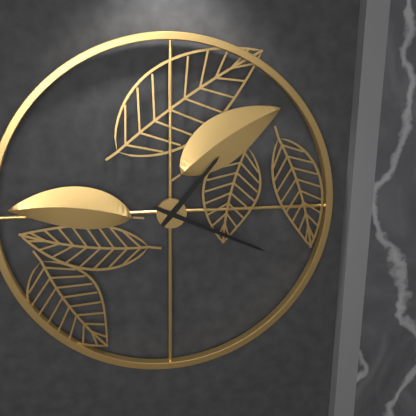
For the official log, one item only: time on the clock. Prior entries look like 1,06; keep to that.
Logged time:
1,19
